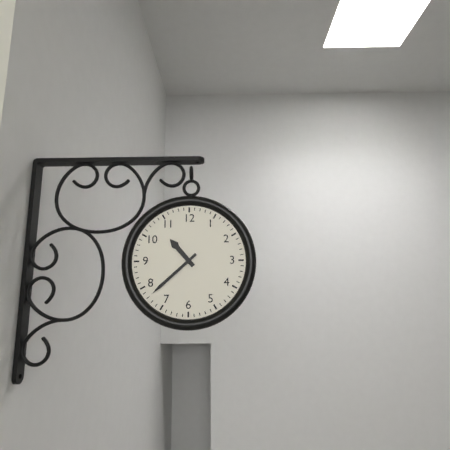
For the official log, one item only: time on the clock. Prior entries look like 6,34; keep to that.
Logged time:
10,38
